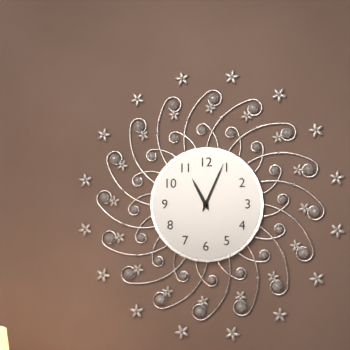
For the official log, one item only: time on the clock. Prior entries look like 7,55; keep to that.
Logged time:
11,04
